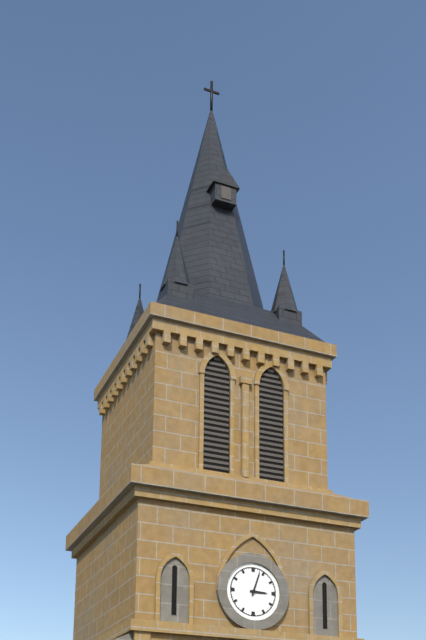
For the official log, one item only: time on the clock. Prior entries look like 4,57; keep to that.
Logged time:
3,03
